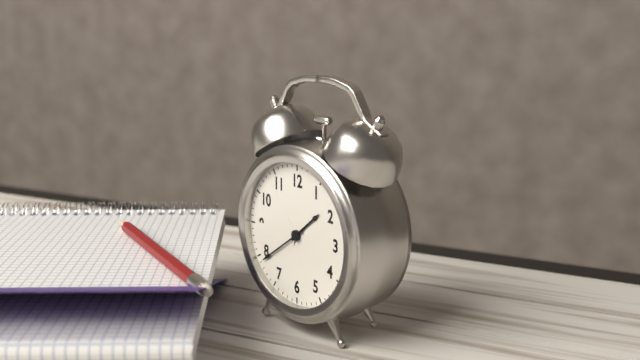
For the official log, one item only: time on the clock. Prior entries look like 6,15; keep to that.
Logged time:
1,39
